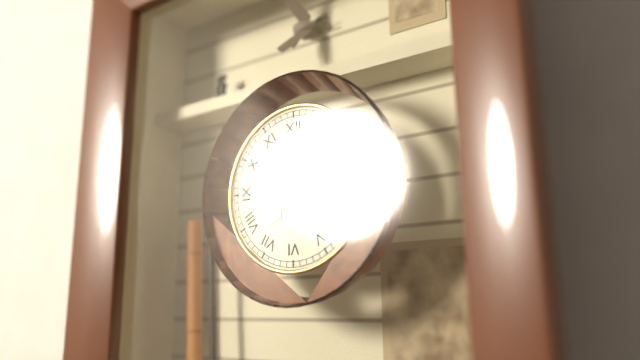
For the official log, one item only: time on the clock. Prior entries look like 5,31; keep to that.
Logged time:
7,17
